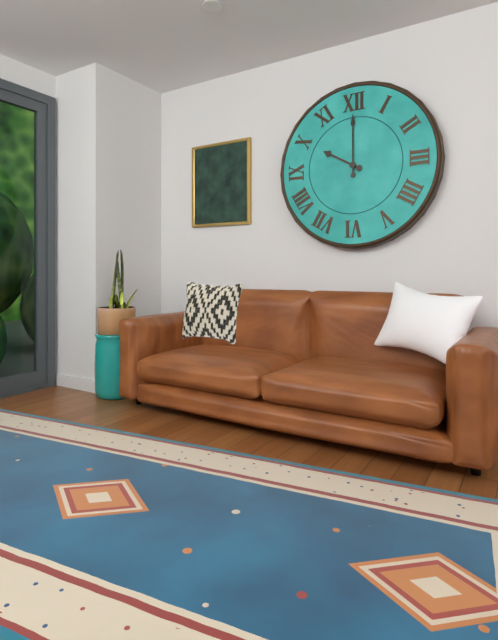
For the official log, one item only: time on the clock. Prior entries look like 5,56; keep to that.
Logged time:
10,00
